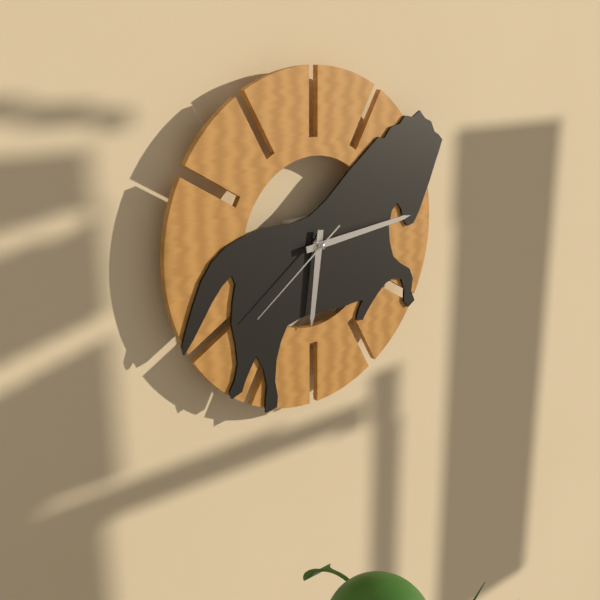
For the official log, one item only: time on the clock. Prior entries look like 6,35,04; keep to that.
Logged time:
6,14,39
